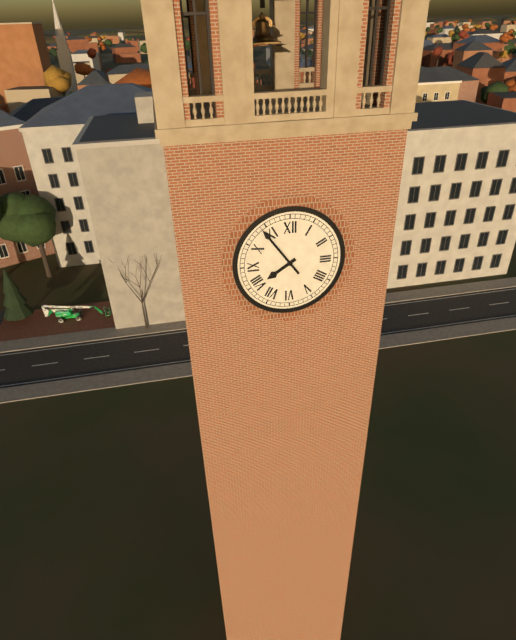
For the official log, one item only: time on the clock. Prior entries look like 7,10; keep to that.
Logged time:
7,54
